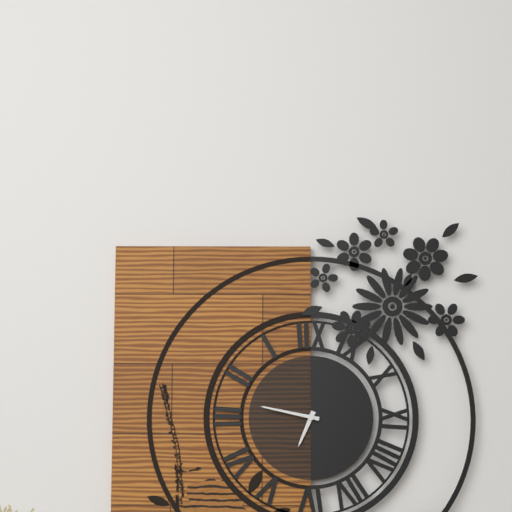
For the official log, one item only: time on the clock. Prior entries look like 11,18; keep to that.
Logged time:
6,47
